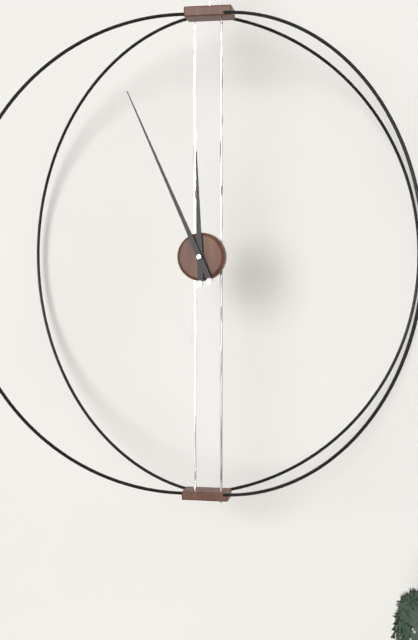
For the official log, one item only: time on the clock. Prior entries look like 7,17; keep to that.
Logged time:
11,56
